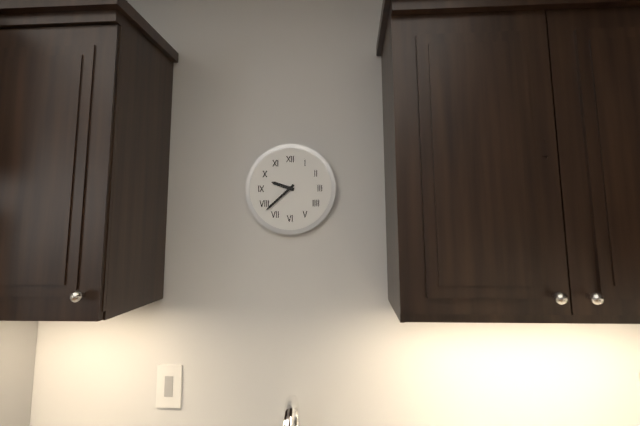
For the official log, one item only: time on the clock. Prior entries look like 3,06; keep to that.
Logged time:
9,38
